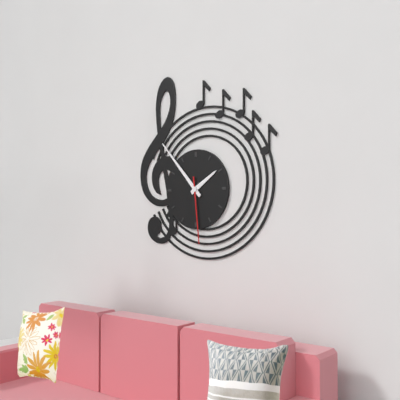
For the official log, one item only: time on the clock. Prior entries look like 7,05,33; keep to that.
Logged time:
1,53,29
